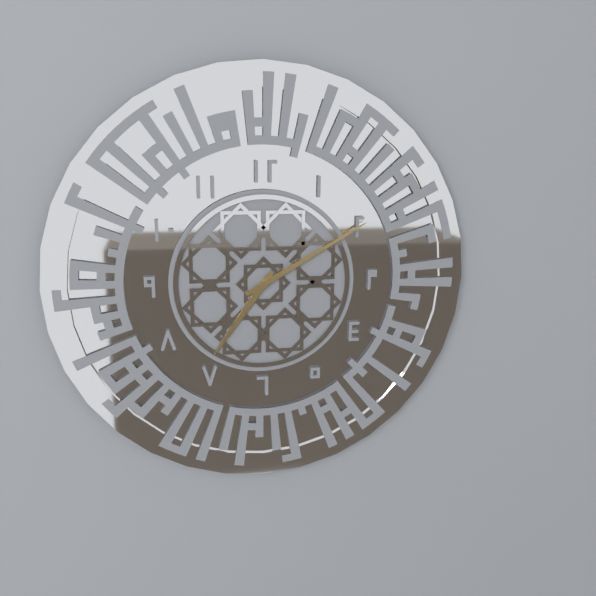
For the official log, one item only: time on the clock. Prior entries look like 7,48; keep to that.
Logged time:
7,10
